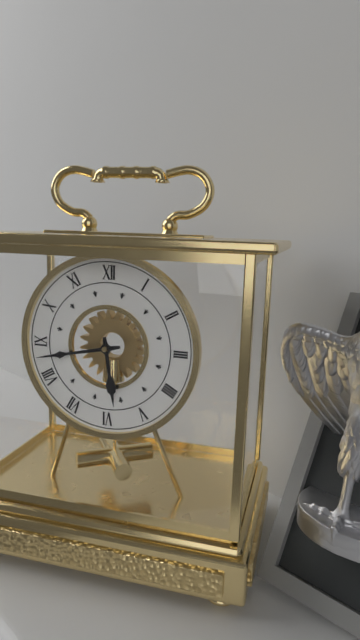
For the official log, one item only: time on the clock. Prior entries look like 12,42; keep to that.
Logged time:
5,43
